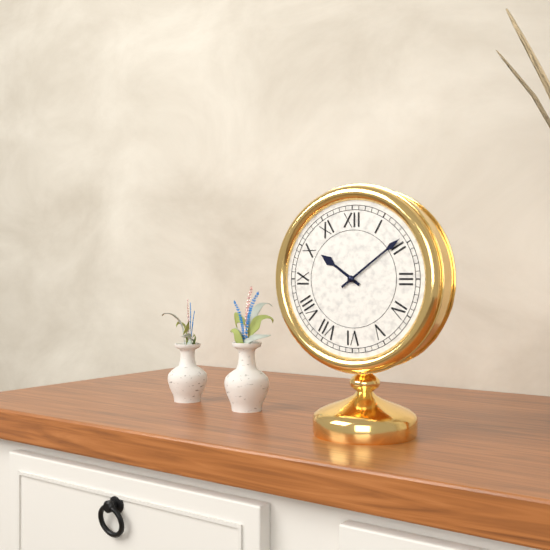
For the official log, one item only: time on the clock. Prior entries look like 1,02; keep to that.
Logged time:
10,09
